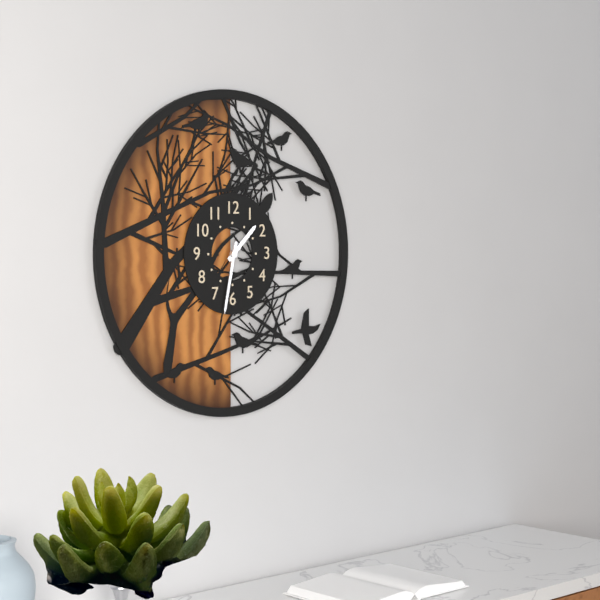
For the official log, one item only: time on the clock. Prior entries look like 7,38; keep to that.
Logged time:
1,32
